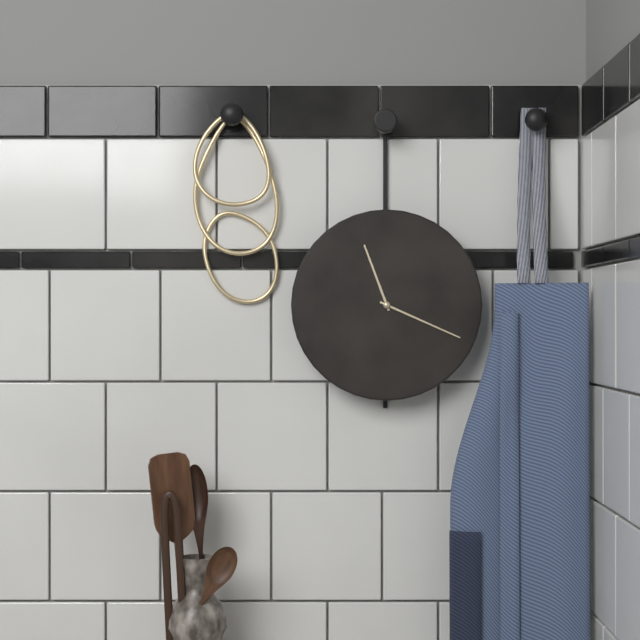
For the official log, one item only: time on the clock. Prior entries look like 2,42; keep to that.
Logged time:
11,19
